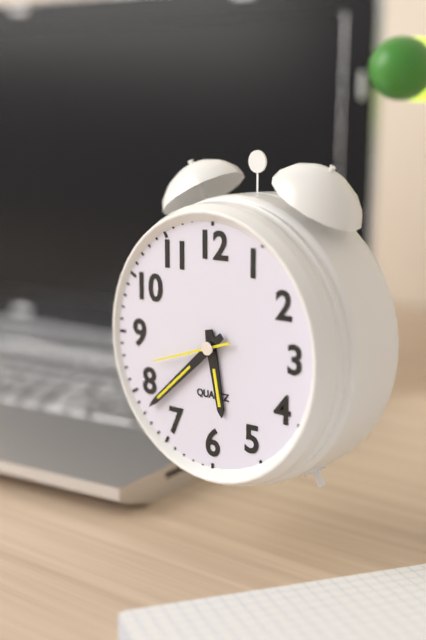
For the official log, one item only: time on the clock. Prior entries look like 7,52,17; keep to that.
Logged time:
5,38,42
